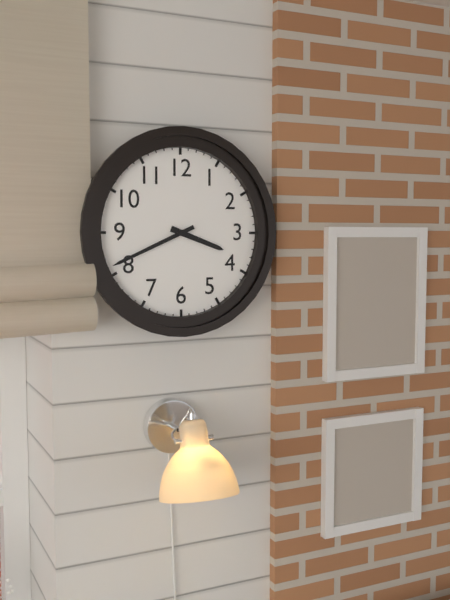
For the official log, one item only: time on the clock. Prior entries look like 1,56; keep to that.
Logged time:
3,41
